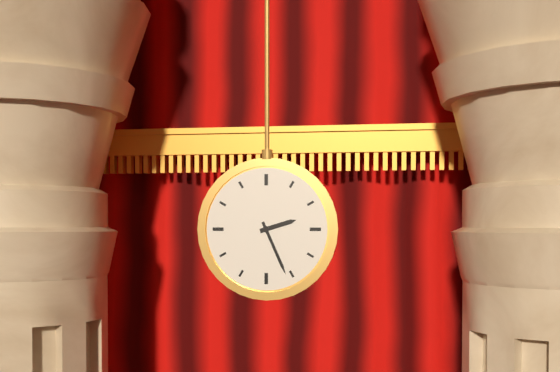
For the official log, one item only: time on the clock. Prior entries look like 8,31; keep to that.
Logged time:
2,26
